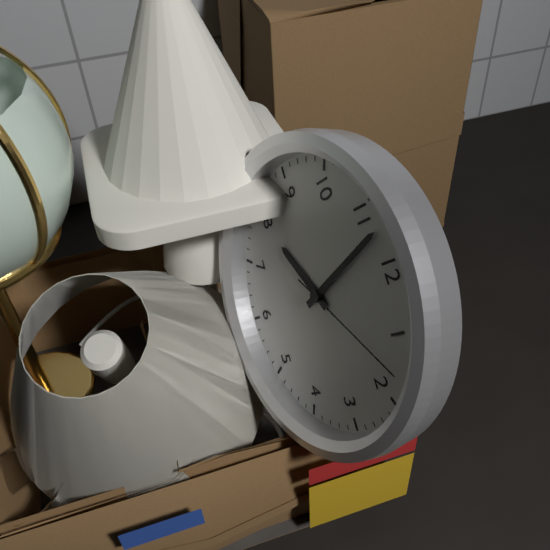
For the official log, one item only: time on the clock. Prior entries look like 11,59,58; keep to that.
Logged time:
7,57,08
